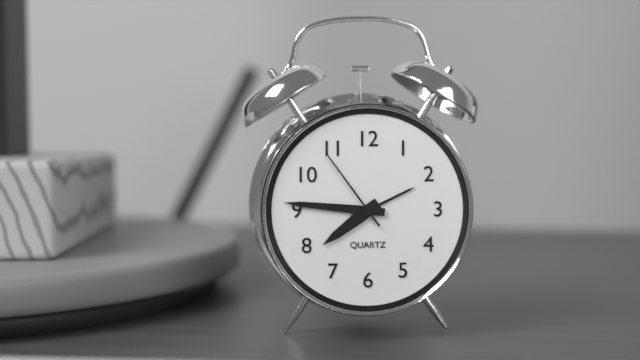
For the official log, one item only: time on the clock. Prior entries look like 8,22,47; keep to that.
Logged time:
7,46,54
